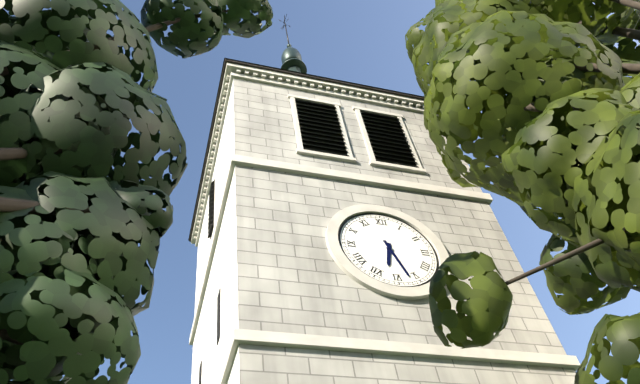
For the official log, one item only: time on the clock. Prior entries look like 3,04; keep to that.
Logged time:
6,27
